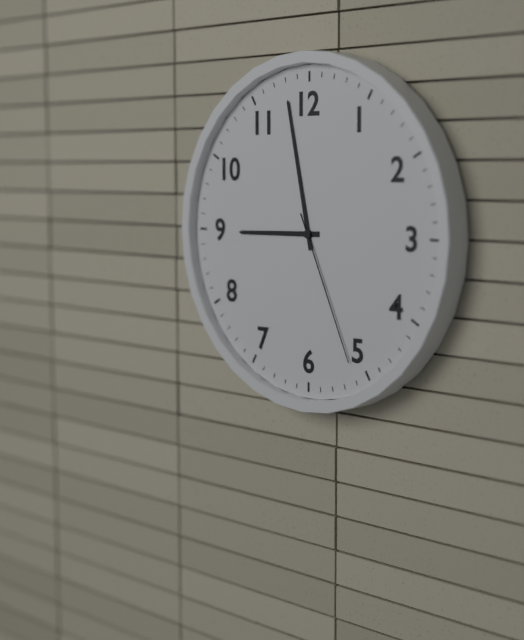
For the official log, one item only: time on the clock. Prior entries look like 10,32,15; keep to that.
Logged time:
8,58,26
